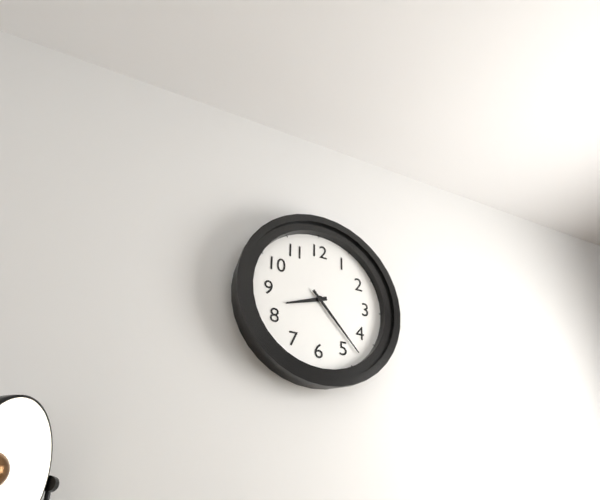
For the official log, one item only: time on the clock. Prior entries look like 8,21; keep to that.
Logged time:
8,23
